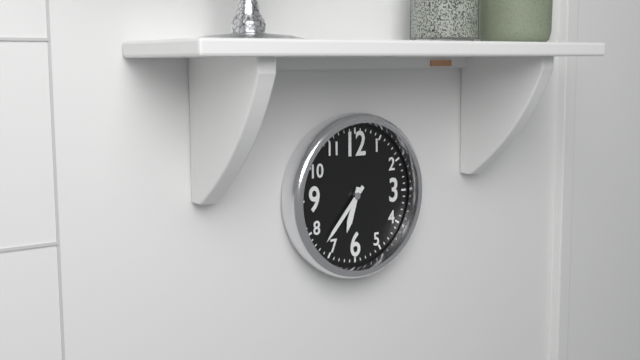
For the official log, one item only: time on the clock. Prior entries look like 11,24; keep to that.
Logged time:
6,37
